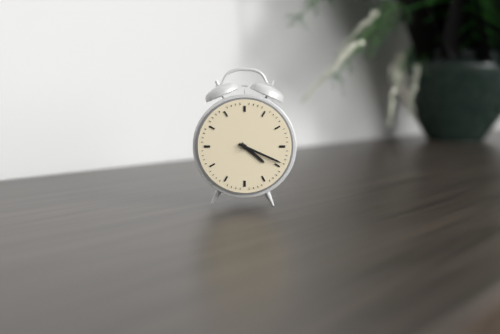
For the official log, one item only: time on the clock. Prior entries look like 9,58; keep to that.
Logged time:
4,19
